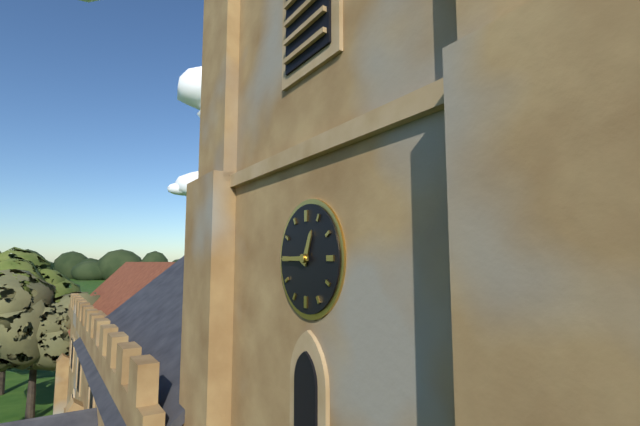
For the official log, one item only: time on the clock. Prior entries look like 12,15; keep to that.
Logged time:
12,45
